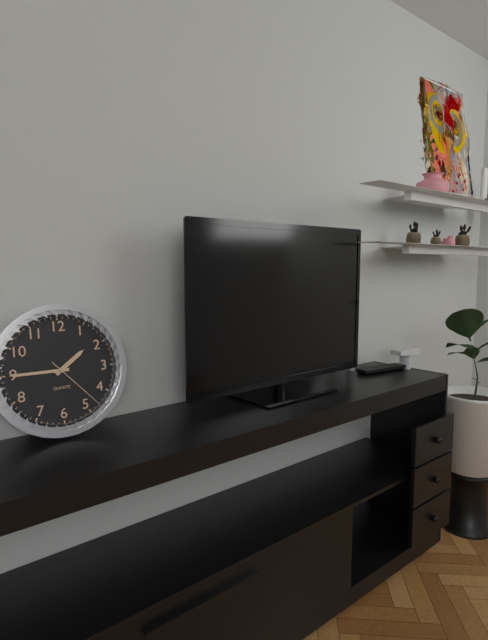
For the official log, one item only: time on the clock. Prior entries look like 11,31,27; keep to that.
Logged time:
1,45,23
